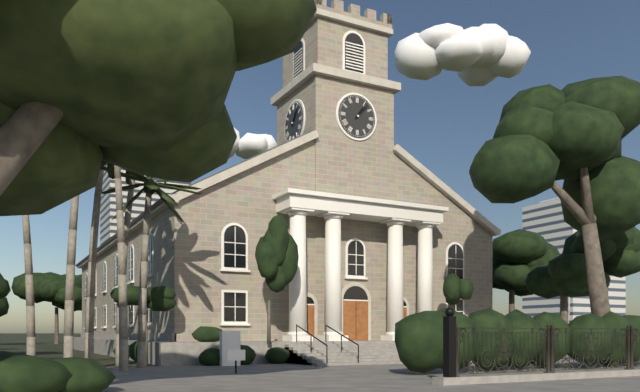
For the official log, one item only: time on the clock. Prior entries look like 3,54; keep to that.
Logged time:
1,07
